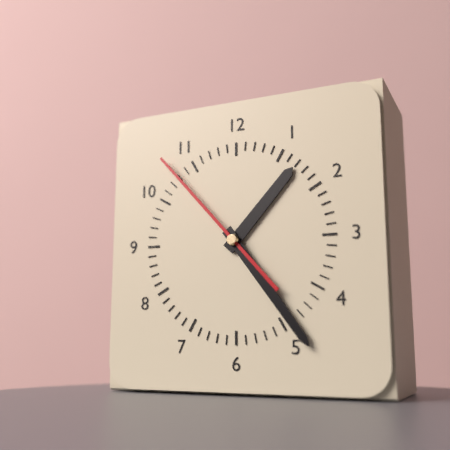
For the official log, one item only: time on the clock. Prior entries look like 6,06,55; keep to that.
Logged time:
1,24,53
